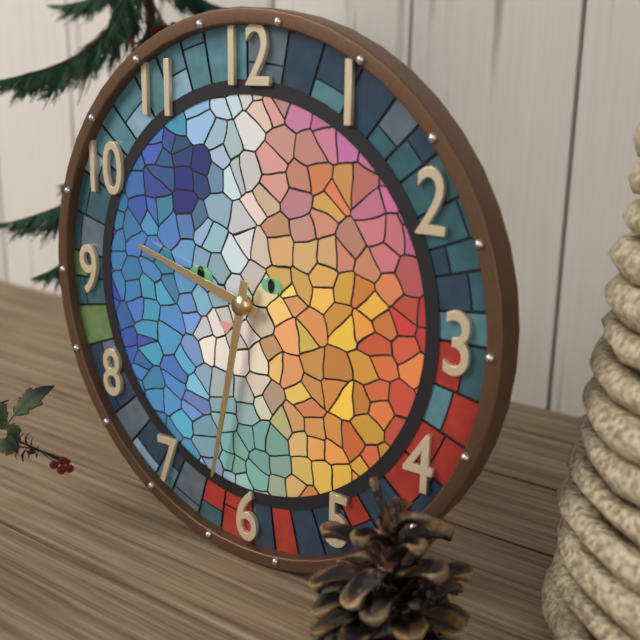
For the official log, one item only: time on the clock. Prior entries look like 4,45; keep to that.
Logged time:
9,32
